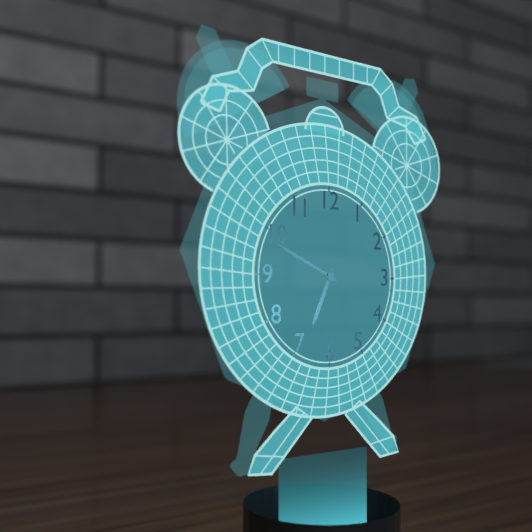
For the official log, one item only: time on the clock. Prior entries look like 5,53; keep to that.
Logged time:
6,49
